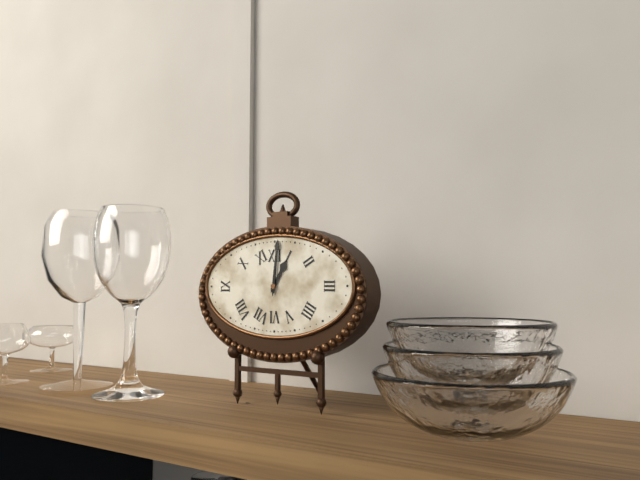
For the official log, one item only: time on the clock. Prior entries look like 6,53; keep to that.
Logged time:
1,01
